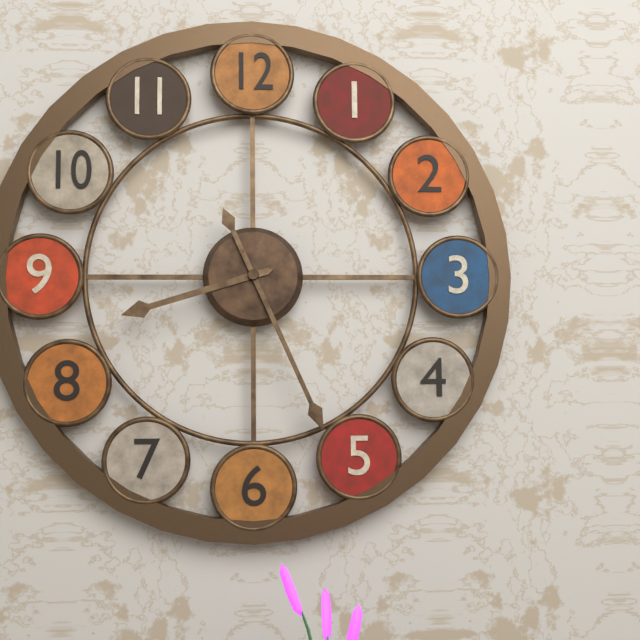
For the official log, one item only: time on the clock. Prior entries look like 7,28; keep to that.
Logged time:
8,26
